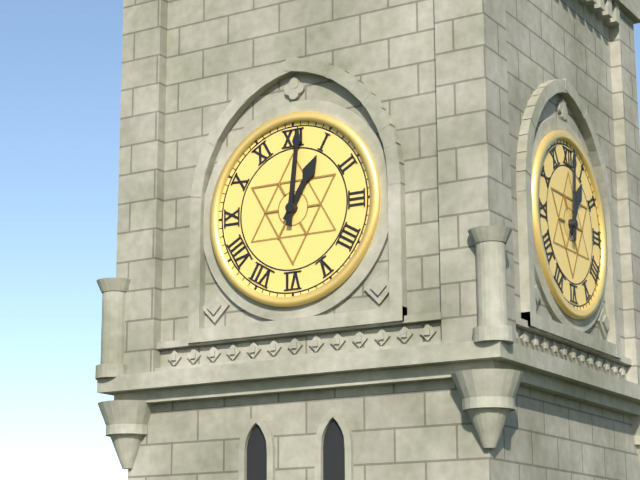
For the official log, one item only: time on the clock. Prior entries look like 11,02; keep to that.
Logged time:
1,01
